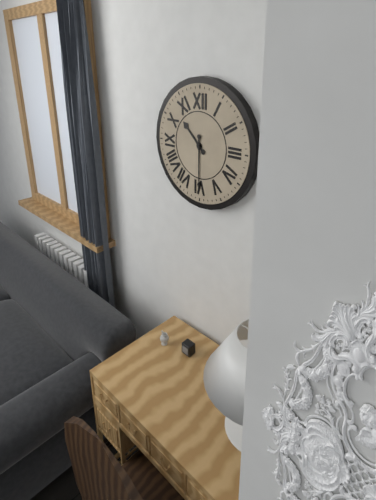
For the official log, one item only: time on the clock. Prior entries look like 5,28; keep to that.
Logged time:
10,30
